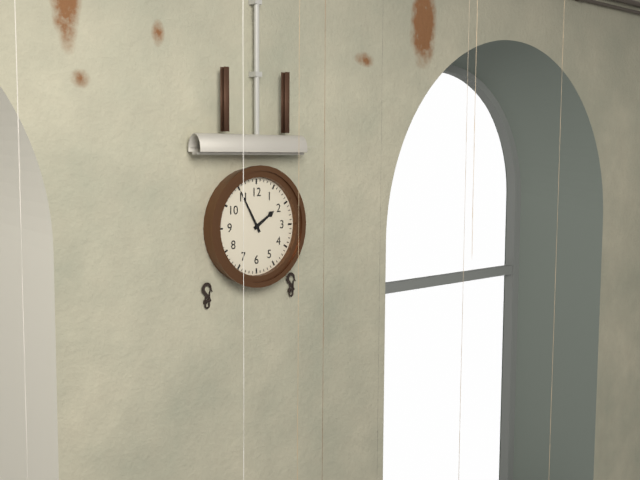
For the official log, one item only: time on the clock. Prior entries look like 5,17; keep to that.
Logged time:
1,55
